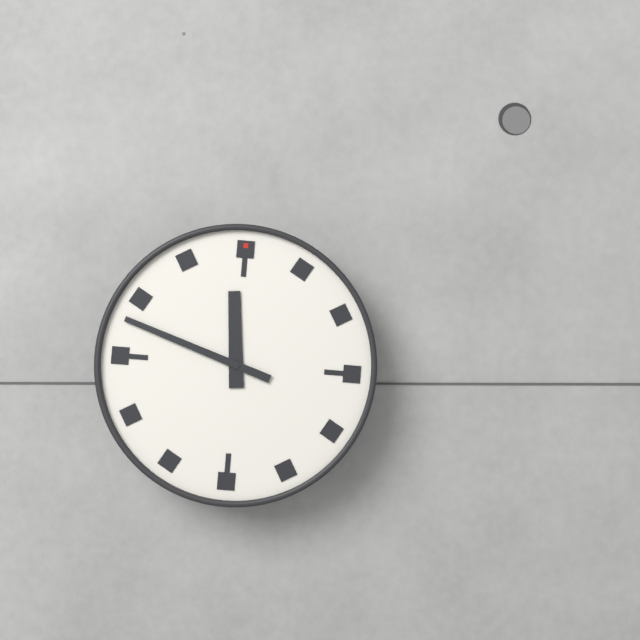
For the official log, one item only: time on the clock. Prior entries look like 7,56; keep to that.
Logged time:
11,48
